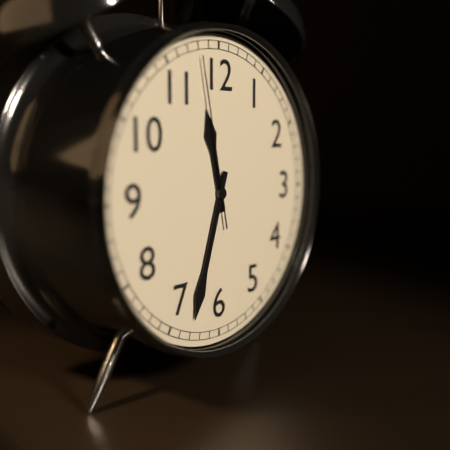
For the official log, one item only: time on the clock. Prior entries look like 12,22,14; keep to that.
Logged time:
11,33,58
